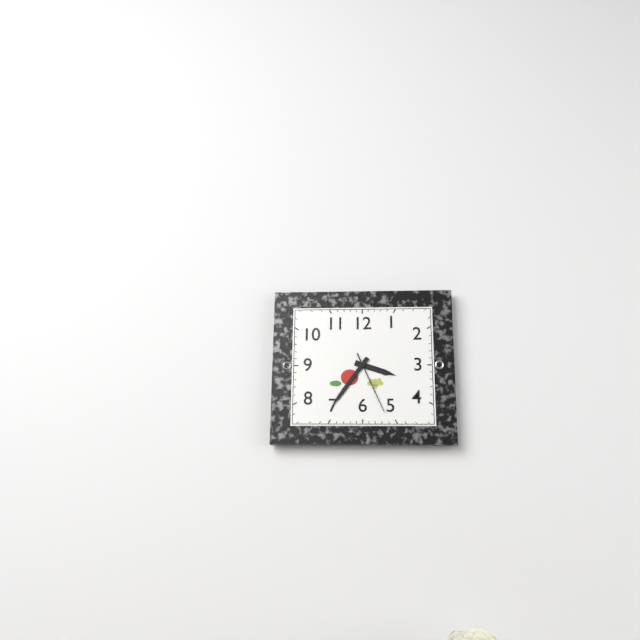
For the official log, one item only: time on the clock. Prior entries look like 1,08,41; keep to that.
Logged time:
3,36,26
